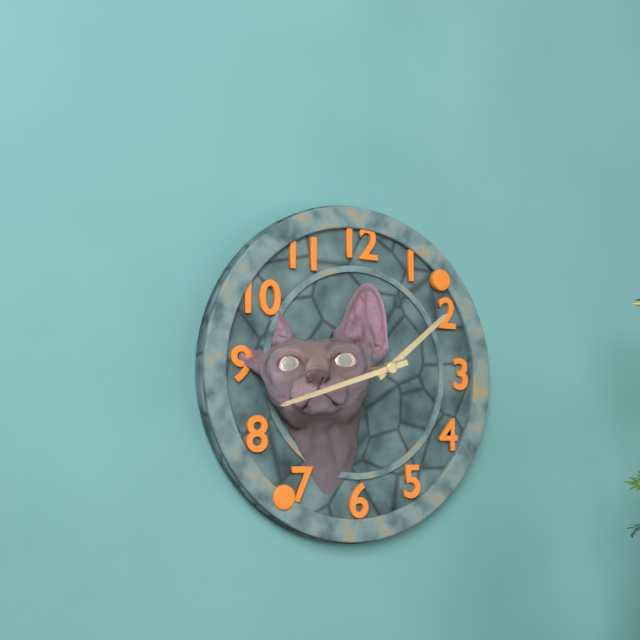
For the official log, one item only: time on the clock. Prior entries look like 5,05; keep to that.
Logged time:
1,42
